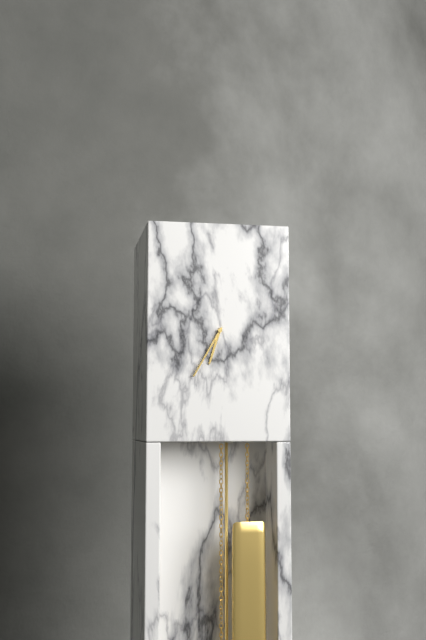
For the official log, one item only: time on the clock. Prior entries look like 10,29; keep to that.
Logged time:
6,35
